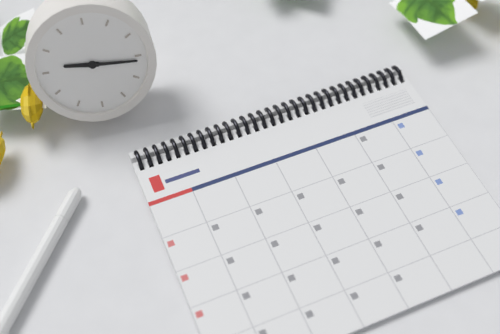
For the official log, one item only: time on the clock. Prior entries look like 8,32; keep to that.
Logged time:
9,16
